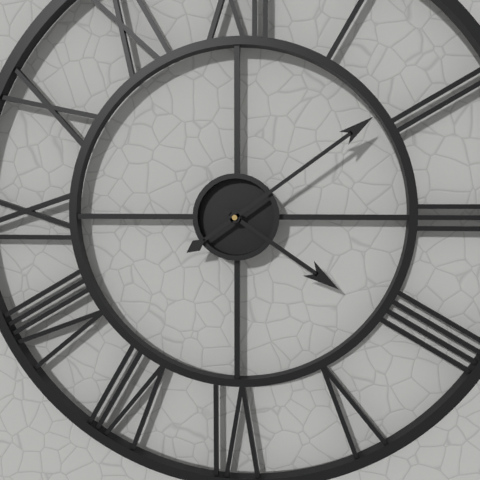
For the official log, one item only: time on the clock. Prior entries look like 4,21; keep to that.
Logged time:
4,09
